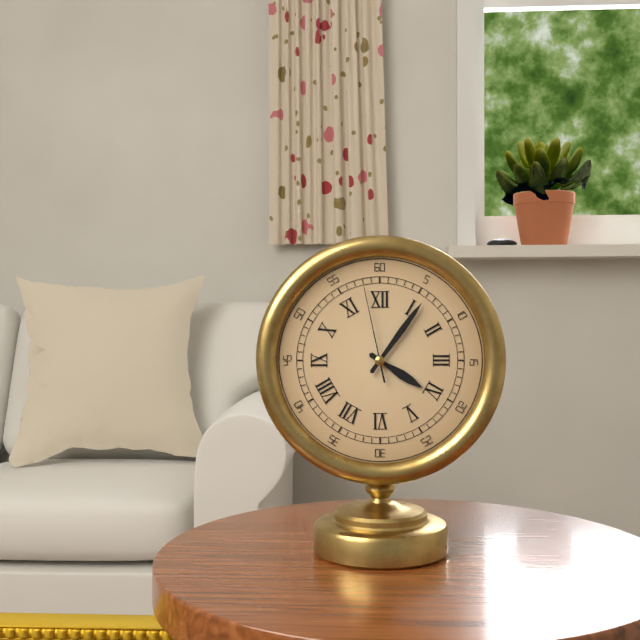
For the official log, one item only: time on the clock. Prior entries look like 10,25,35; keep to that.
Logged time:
4,06,58
